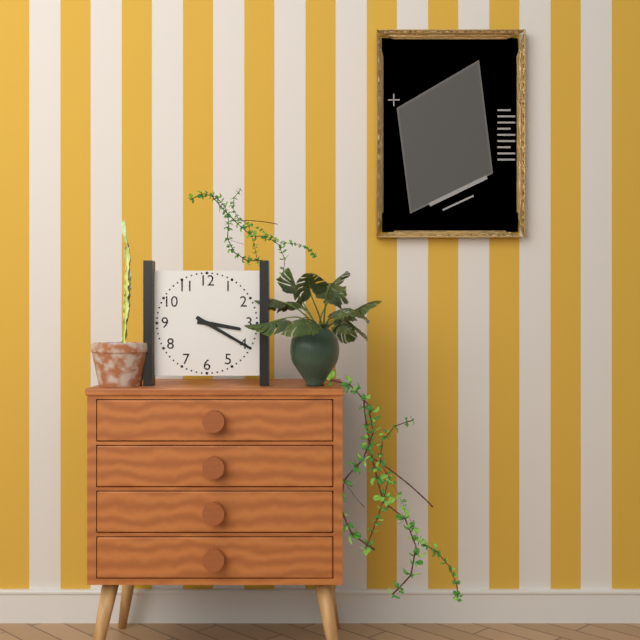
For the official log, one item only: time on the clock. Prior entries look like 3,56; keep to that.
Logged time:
3,20
